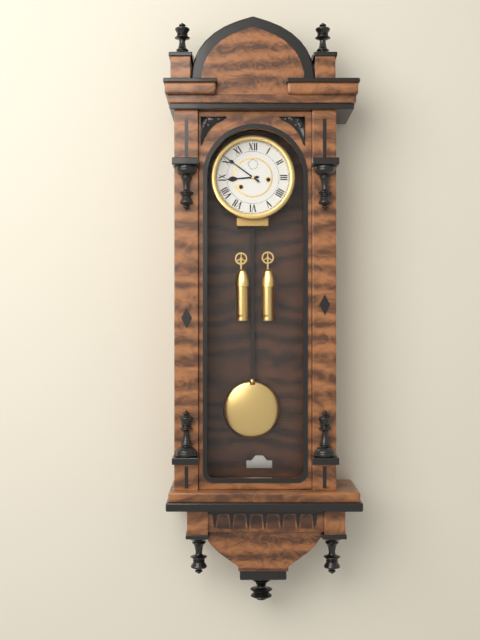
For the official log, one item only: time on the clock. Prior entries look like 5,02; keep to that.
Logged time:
8,51
